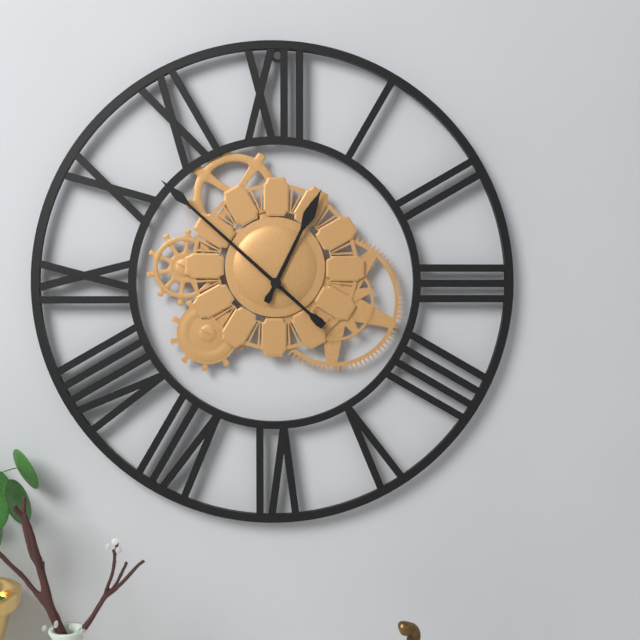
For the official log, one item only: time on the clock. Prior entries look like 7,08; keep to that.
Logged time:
12,52
